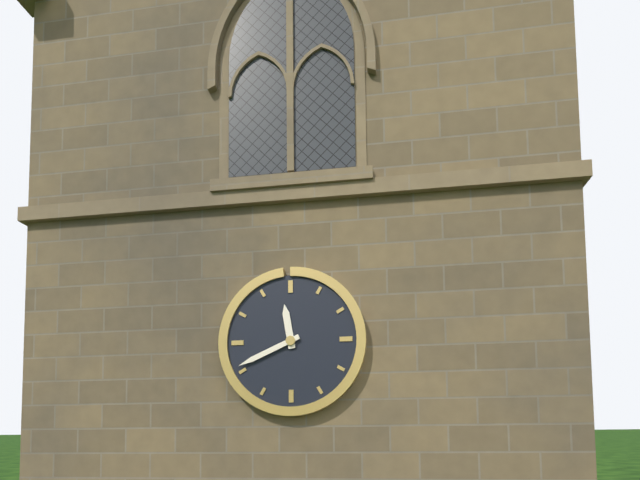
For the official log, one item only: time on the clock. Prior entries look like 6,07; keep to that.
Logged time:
11,41
